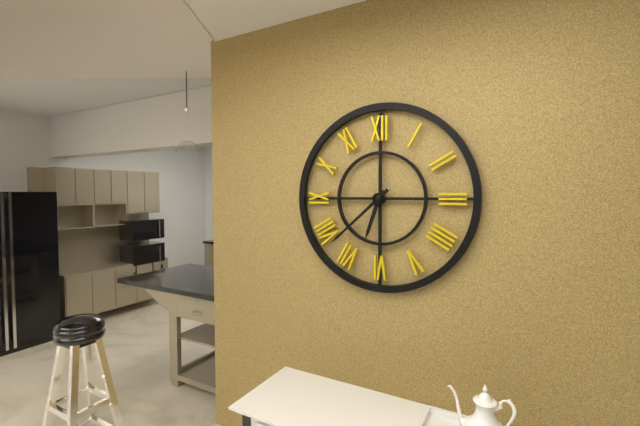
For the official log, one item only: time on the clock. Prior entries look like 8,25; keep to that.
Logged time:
6,38
